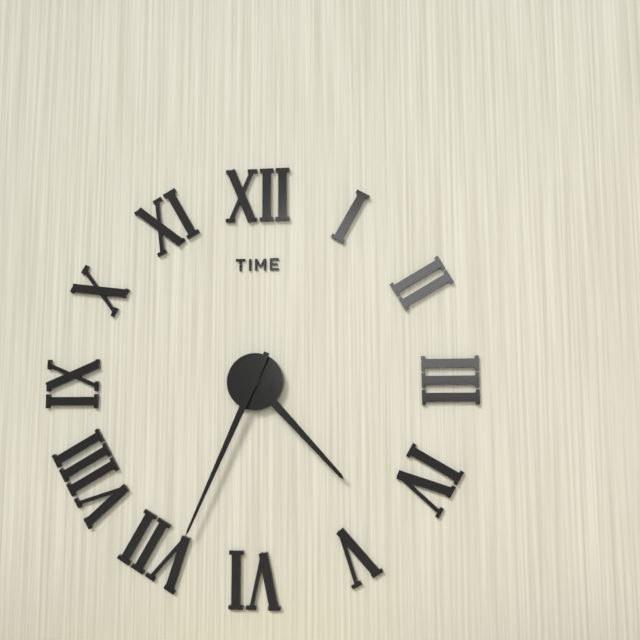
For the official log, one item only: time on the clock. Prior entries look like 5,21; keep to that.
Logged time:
4,34
